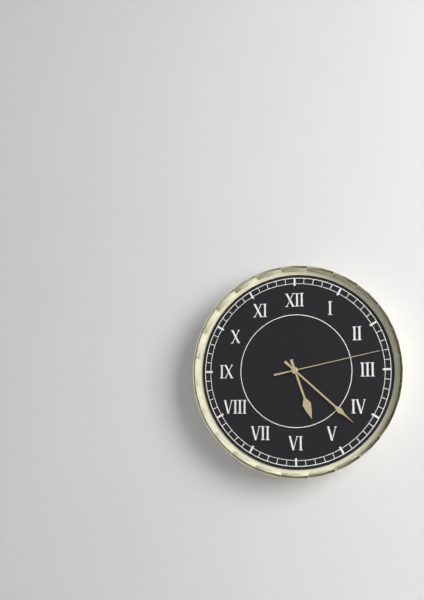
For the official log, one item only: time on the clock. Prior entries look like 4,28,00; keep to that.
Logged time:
5,22,13
